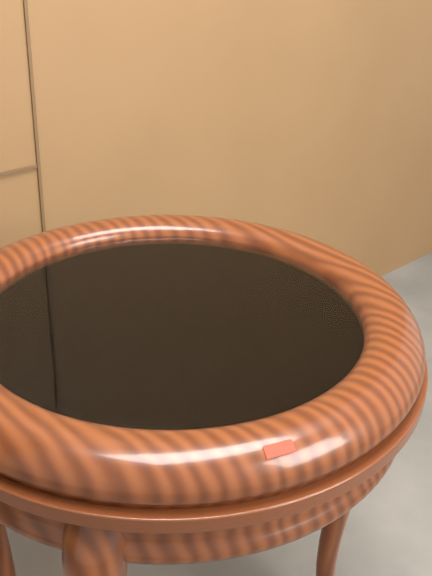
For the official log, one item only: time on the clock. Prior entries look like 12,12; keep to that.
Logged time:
1,03
